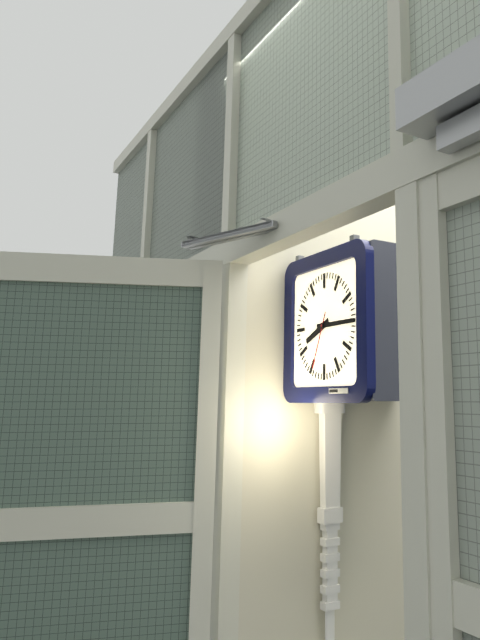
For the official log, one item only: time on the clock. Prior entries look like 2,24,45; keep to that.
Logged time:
8,15,34
